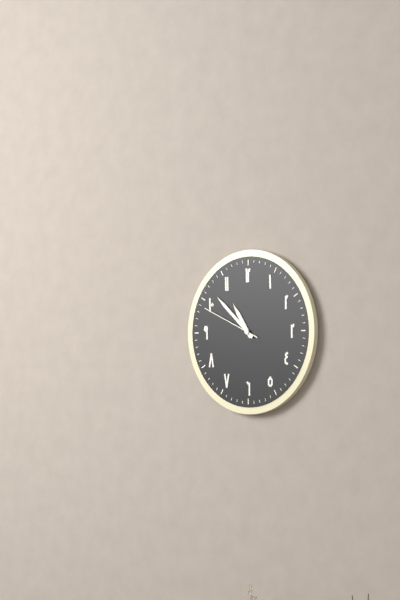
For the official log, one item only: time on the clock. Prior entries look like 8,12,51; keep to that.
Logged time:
10,52,49
